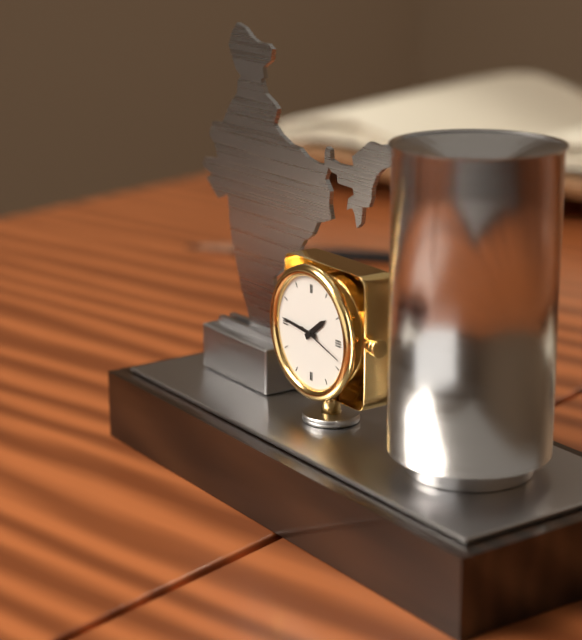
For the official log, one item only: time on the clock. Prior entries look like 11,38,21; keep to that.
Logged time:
1,46,18
